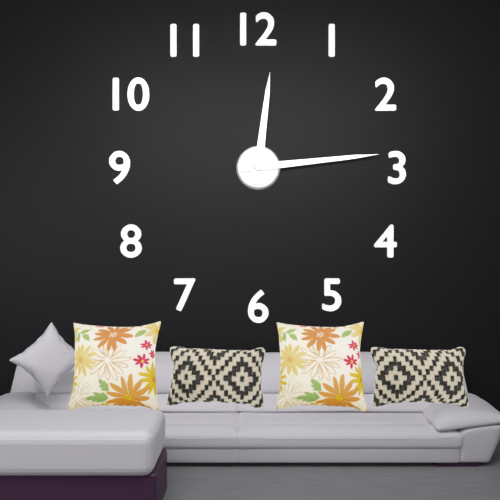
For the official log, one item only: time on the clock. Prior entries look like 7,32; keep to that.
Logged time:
12,14
